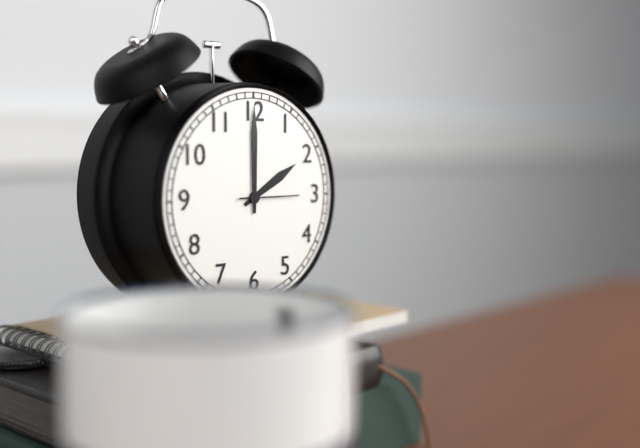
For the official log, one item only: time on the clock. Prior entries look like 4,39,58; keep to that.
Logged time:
2,00,15
